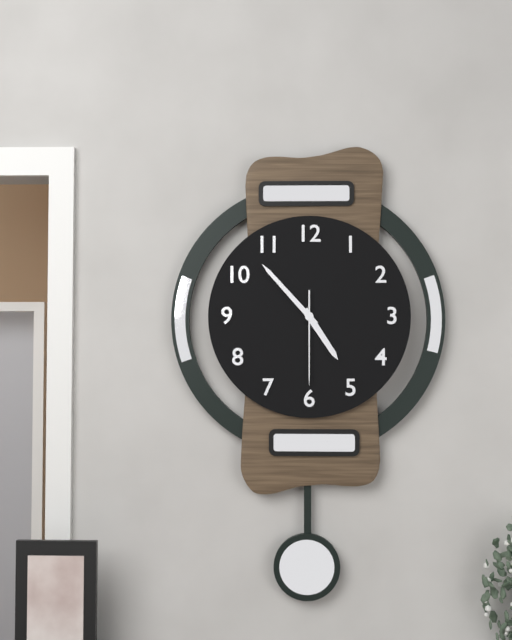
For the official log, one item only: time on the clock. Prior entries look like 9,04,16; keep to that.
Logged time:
4,53,30
